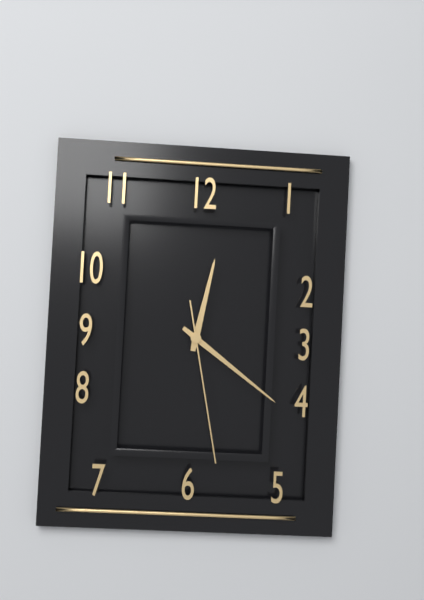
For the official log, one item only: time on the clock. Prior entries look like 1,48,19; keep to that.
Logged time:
12,21,28
